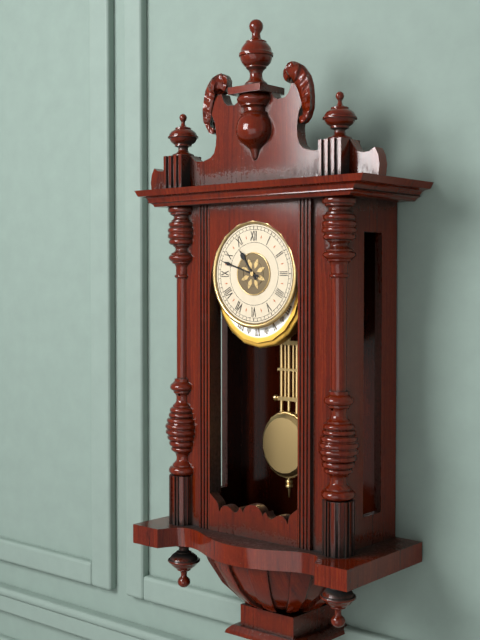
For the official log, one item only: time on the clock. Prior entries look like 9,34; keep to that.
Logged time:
10,48
